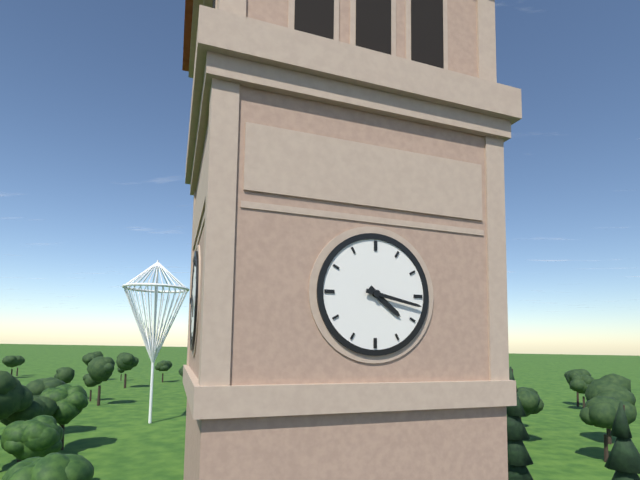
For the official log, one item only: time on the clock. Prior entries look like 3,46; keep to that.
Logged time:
4,17
